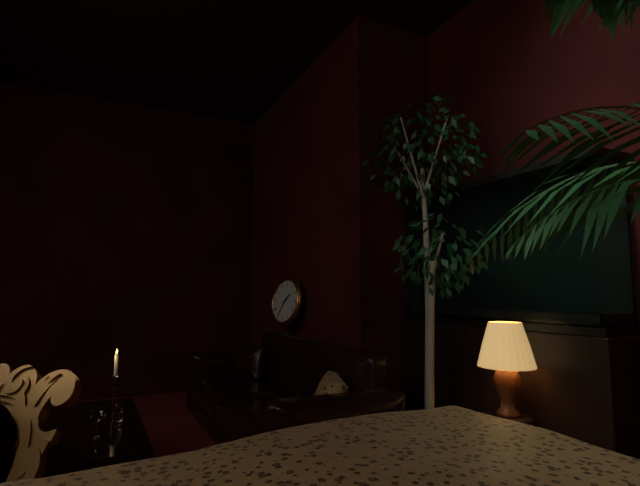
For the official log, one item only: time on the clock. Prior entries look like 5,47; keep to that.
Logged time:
1,35
